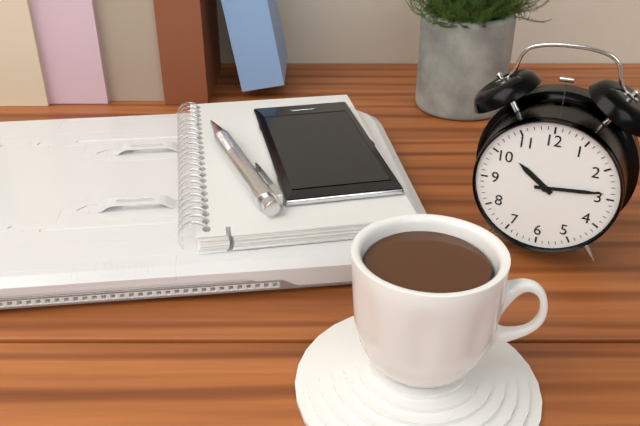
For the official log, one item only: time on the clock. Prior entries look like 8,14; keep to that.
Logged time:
10,14
